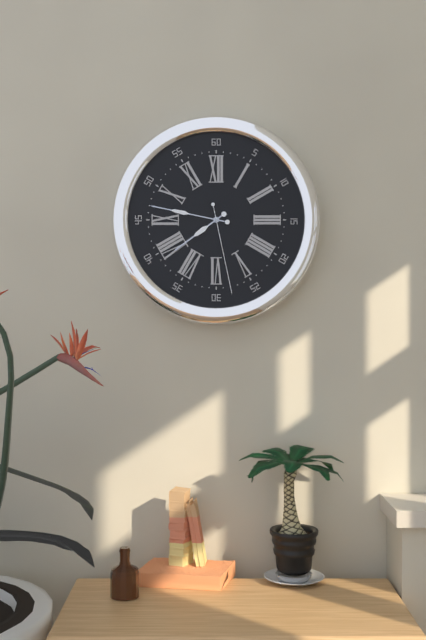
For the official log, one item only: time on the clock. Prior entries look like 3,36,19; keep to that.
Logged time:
7,47,28
